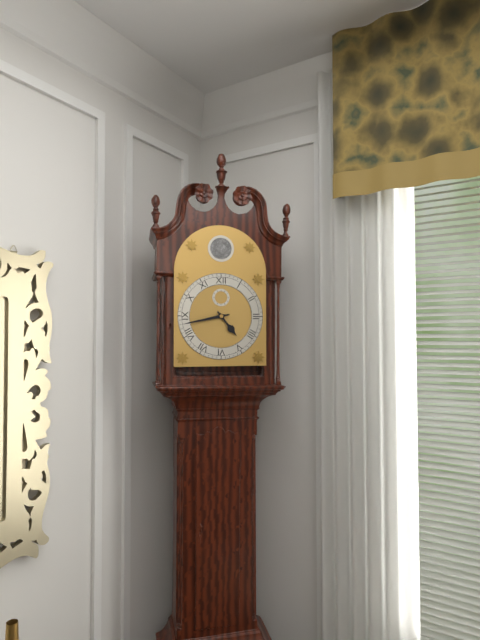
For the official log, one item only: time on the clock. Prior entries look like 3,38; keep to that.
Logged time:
4,43
